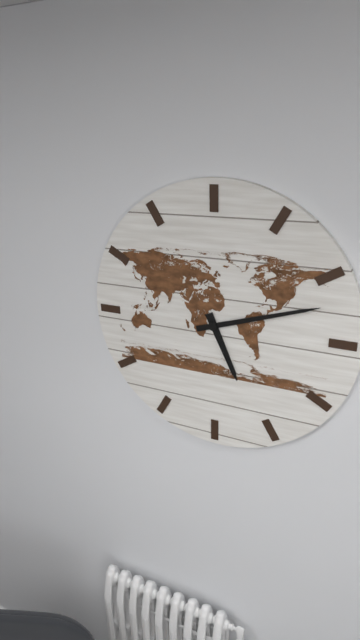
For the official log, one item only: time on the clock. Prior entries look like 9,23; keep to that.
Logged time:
5,12
